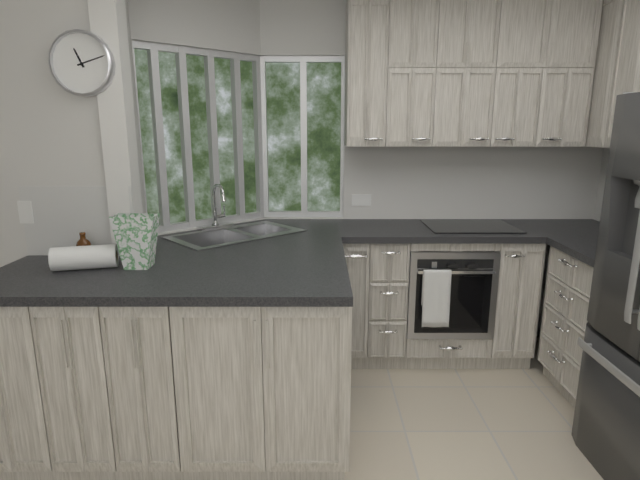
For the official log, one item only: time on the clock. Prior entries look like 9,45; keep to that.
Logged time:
11,12
